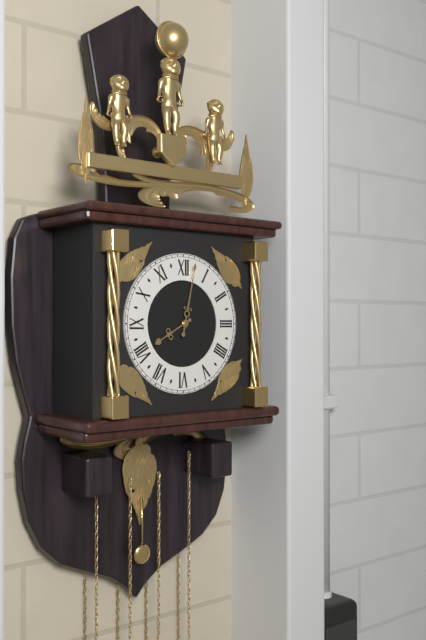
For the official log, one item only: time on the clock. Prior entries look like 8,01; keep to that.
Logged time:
8,02
